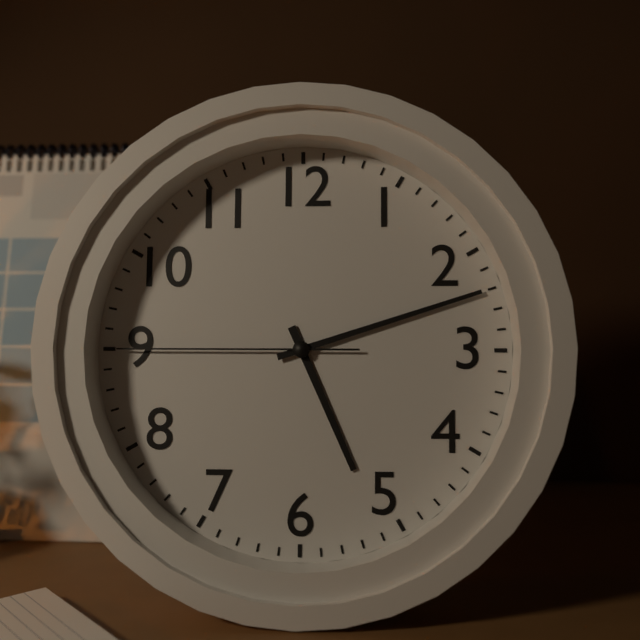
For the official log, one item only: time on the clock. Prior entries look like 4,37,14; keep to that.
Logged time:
5,12,45
